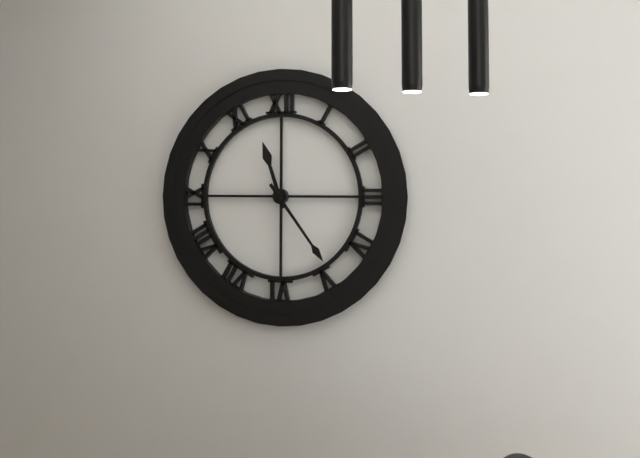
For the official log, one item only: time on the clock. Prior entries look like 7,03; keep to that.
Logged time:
11,24
